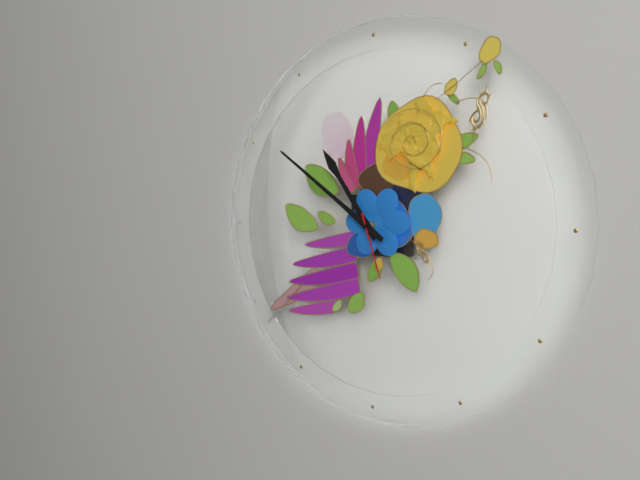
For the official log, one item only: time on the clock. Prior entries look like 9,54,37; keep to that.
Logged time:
10,51,27
